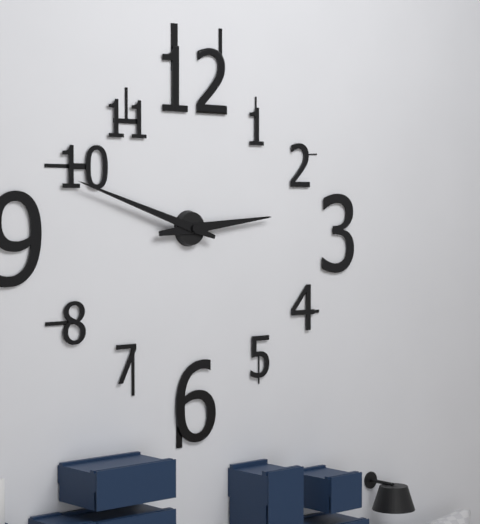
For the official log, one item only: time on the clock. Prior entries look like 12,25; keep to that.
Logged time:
2,48
